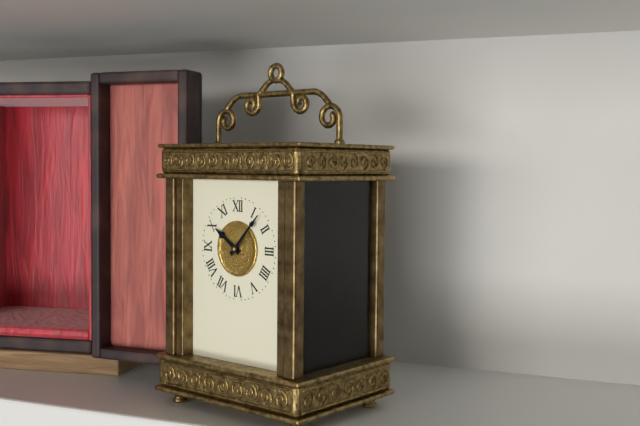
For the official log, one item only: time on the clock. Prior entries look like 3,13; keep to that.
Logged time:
10,07
